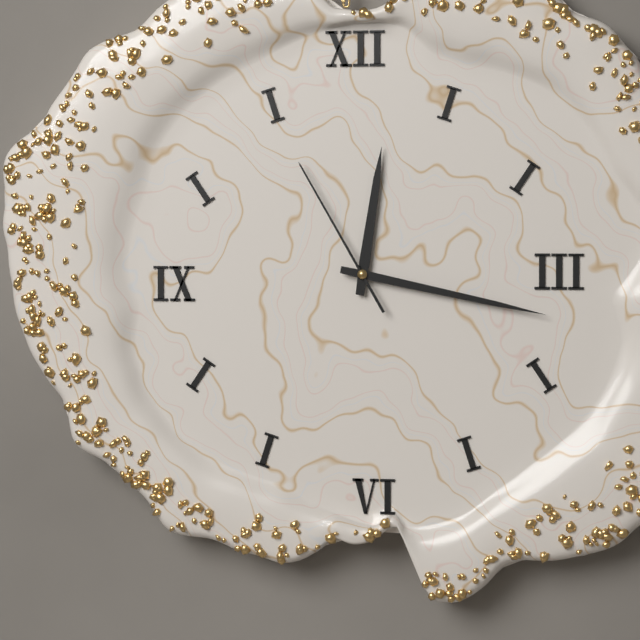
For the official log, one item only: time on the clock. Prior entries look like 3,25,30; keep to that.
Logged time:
12,17,55
